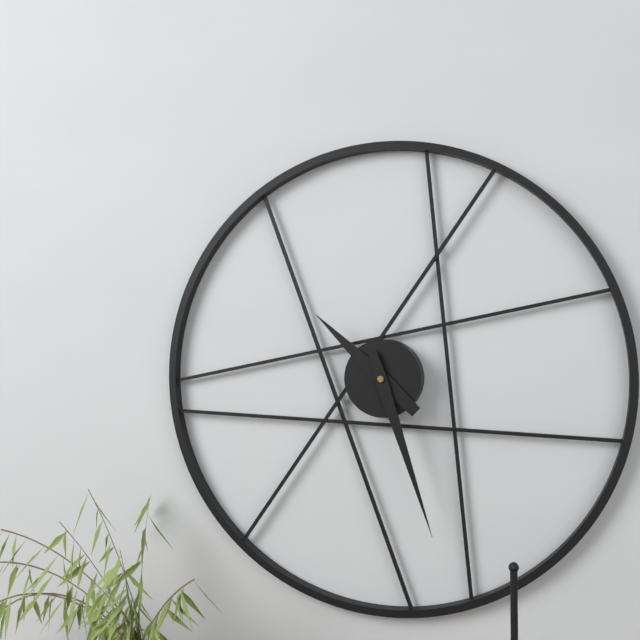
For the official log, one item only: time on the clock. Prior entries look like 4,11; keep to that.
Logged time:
10,27
